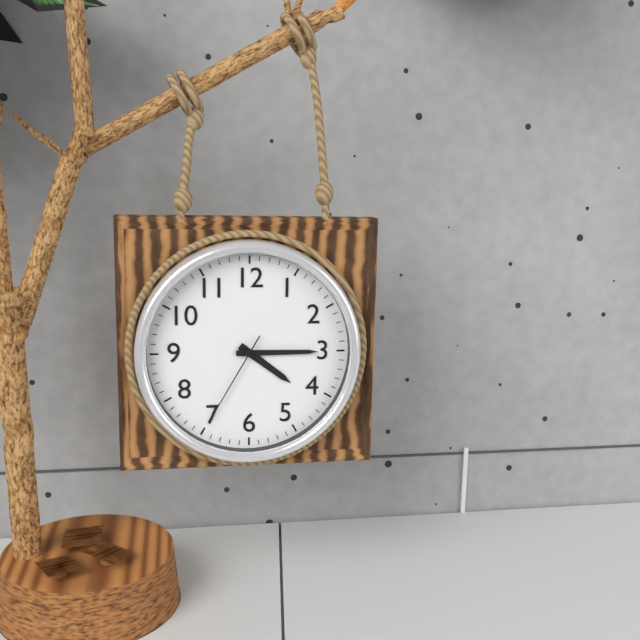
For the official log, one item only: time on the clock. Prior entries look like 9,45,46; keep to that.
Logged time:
4,15,35
